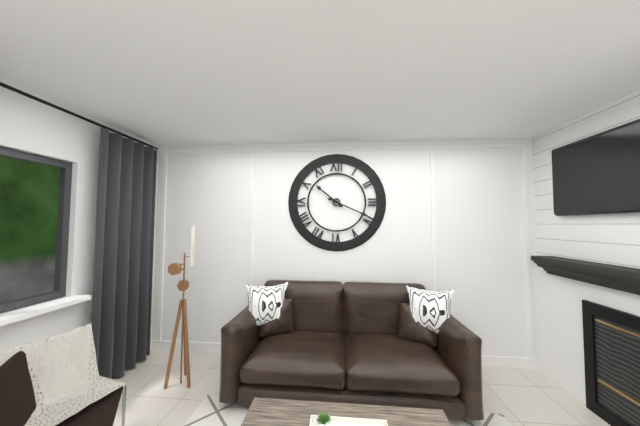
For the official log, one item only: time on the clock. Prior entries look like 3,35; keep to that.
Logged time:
10,19
